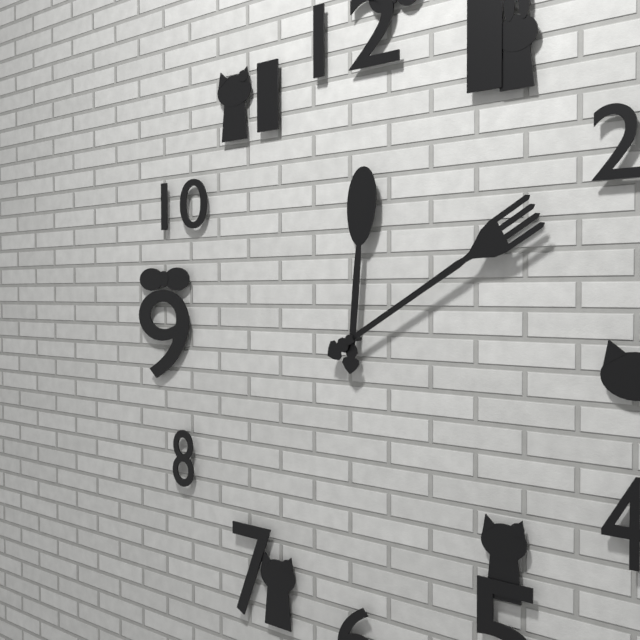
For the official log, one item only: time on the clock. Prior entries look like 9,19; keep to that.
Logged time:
12,10
